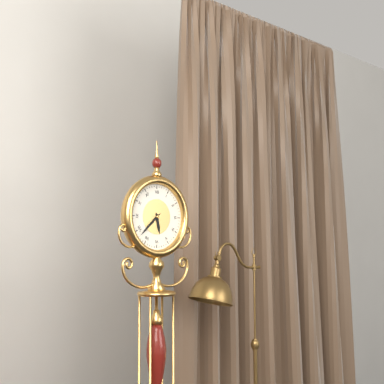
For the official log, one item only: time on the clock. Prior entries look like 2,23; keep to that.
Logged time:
5,38
